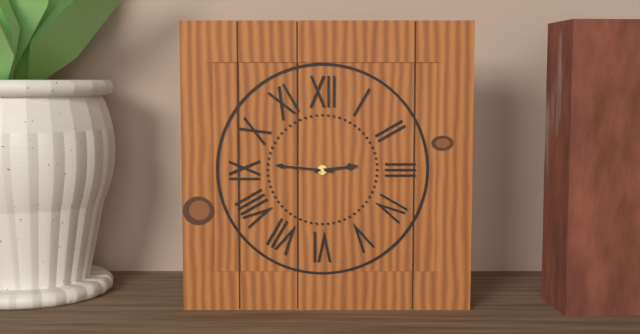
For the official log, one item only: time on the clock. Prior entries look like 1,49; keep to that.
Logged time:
2,46
